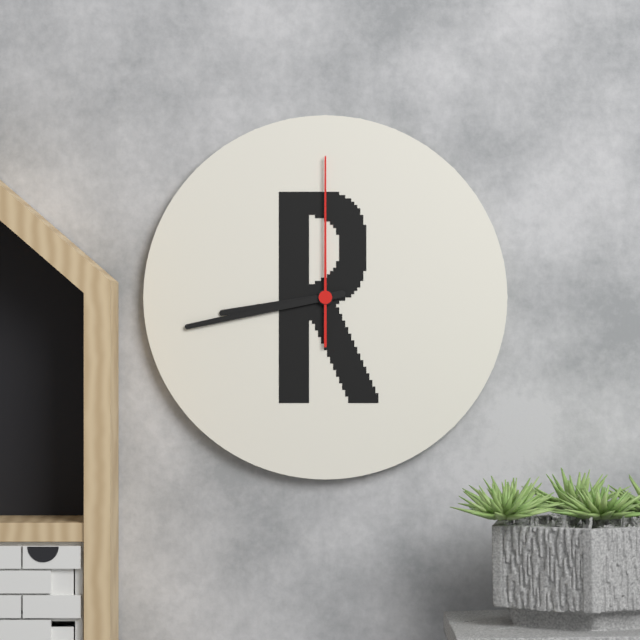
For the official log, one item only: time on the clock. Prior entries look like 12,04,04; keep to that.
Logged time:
8,43,00
